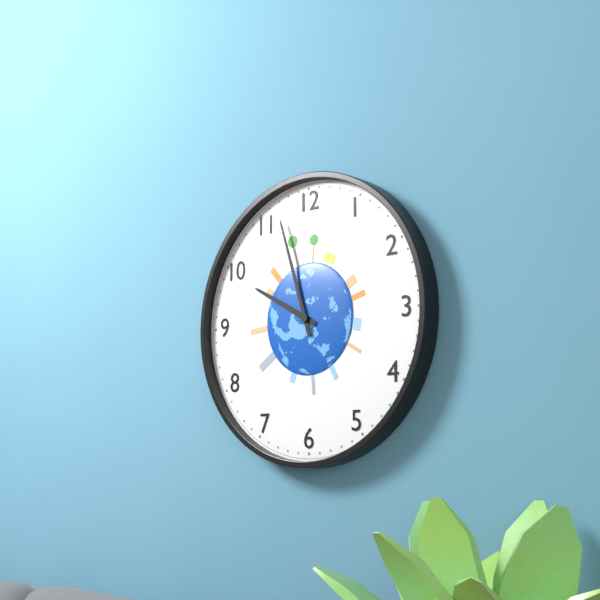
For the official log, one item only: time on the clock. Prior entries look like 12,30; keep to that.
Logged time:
9,57
